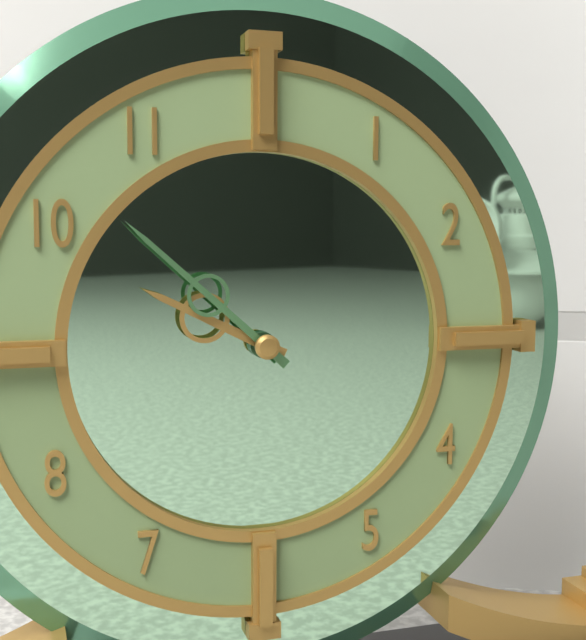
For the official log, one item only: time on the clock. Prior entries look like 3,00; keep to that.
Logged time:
9,52
